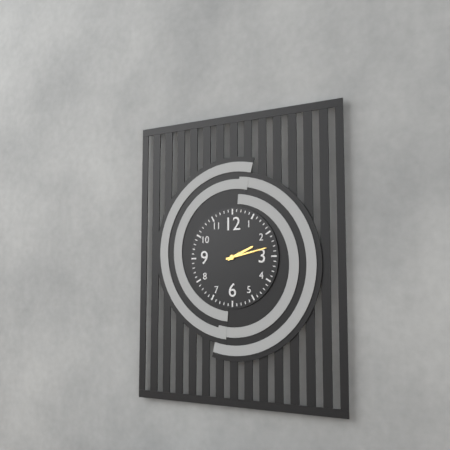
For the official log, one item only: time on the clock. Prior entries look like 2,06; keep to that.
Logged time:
2,13
